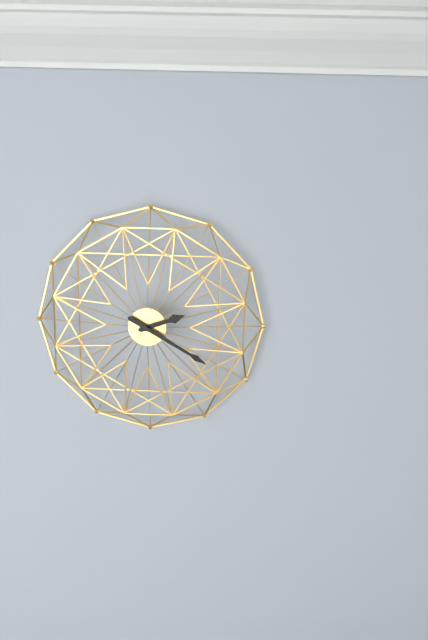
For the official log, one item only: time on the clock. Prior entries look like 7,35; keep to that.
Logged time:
2,20
